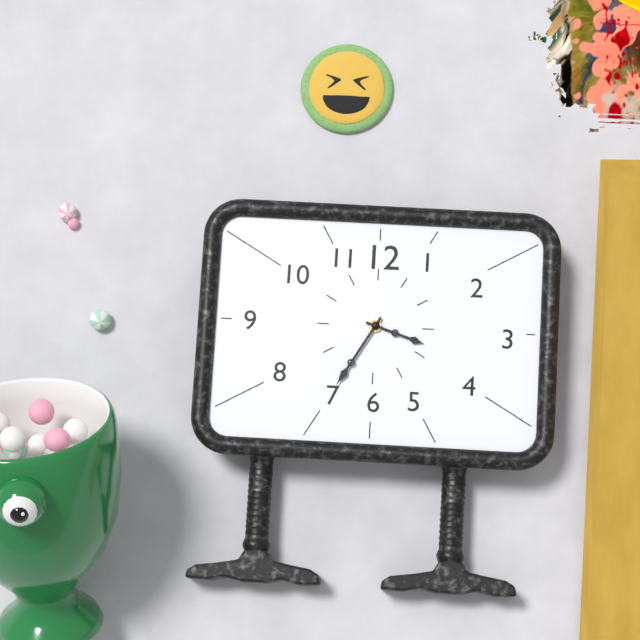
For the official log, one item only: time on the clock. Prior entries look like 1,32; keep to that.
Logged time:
3,35
